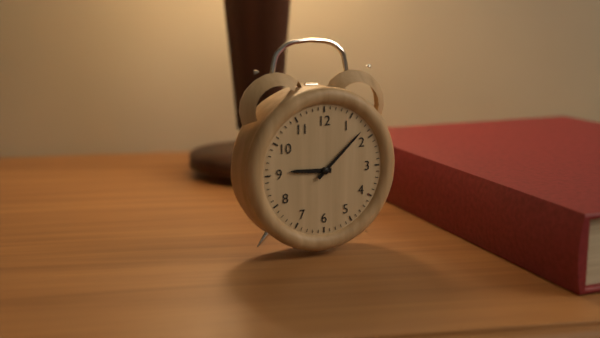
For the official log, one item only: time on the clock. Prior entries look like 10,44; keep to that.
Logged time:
9,08
